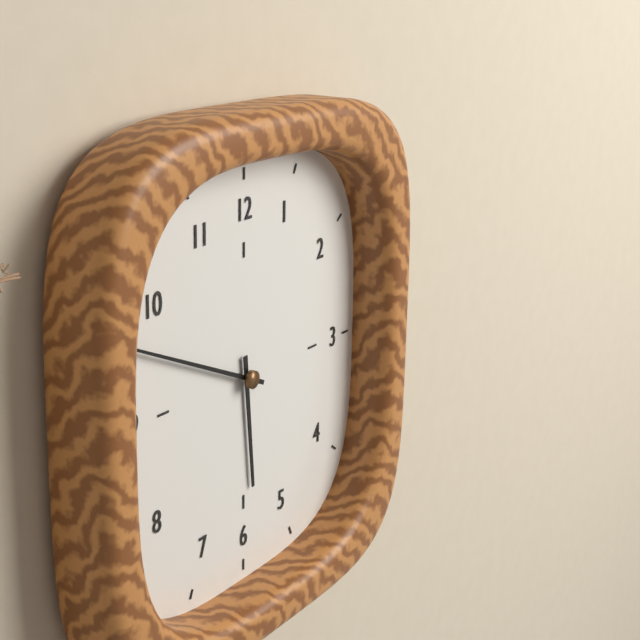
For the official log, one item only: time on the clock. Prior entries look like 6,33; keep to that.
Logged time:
5,49
